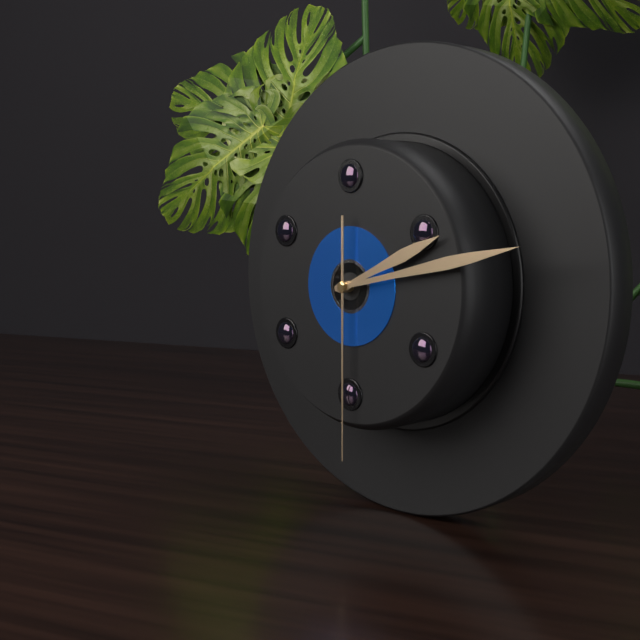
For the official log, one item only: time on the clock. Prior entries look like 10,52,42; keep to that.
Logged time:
2,13,30
